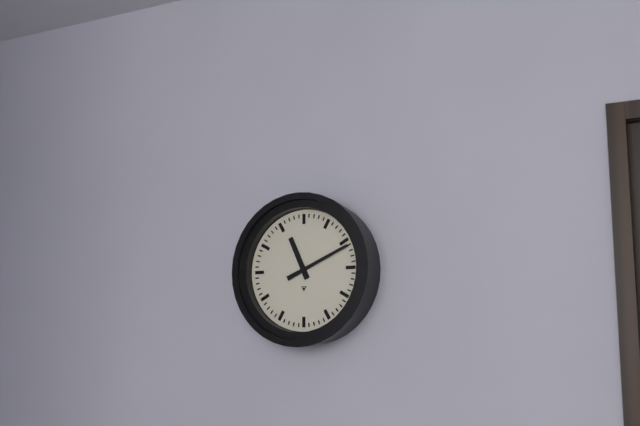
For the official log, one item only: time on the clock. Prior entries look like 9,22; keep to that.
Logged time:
11,11
